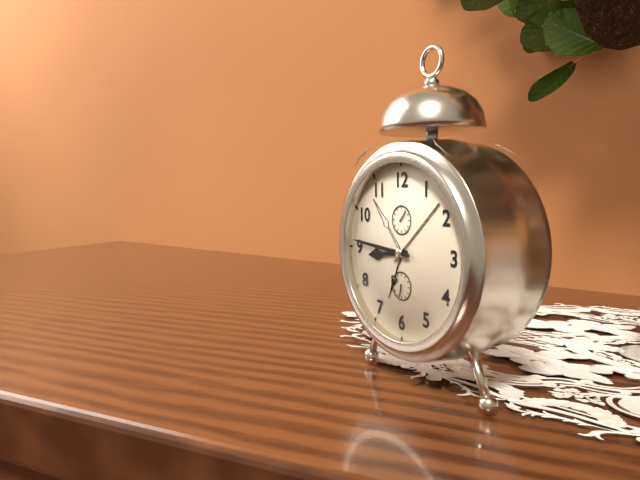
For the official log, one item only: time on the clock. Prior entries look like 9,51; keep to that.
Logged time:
8,46
